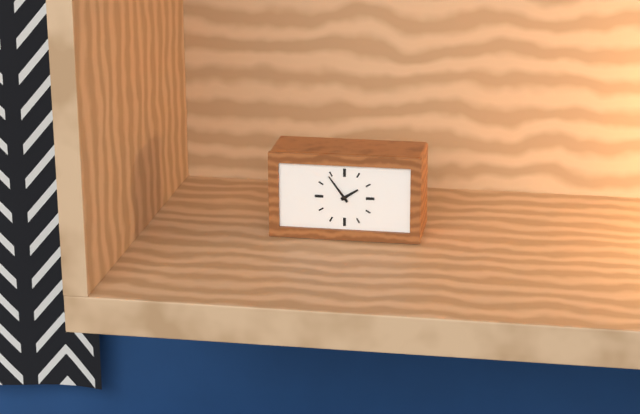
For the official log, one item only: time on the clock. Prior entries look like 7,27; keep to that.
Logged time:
1,54
